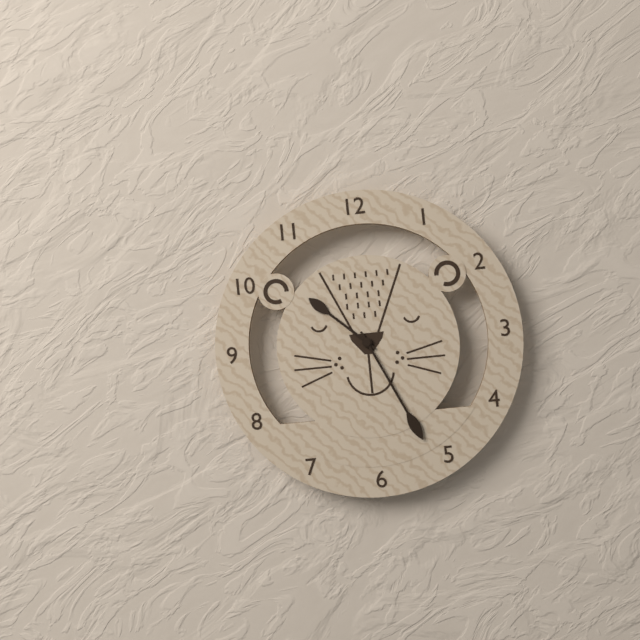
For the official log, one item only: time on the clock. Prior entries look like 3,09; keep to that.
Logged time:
10,26
